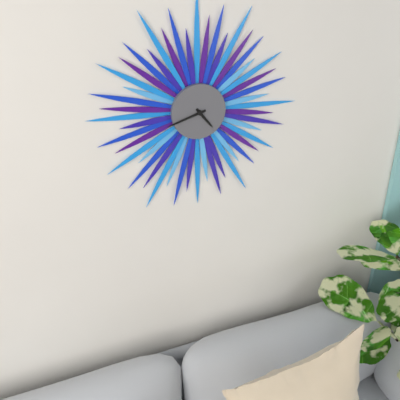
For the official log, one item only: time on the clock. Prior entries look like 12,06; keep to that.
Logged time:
4,42
